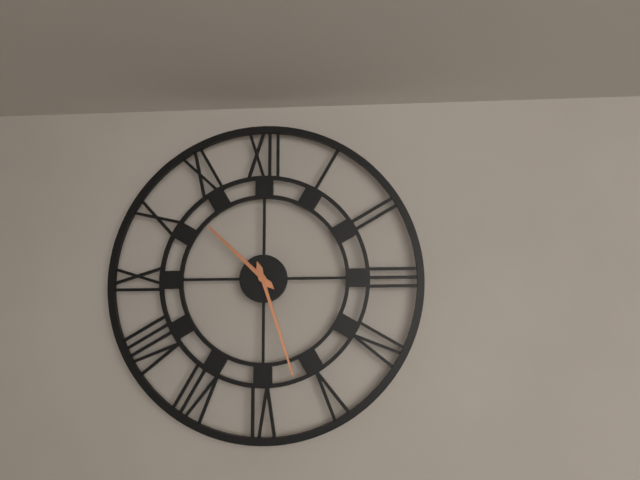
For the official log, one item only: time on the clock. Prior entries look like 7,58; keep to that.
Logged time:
10,27
